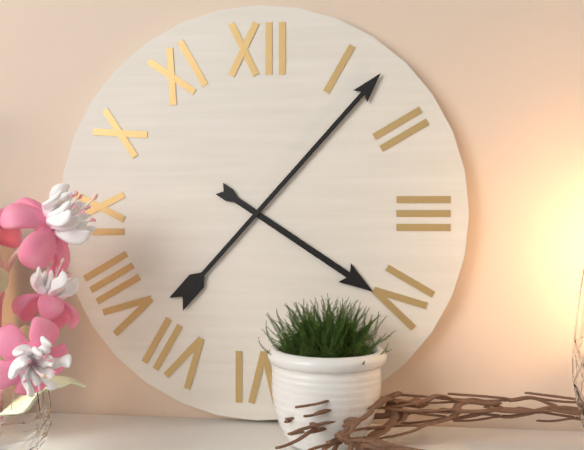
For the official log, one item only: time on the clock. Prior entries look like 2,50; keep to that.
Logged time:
4,07
